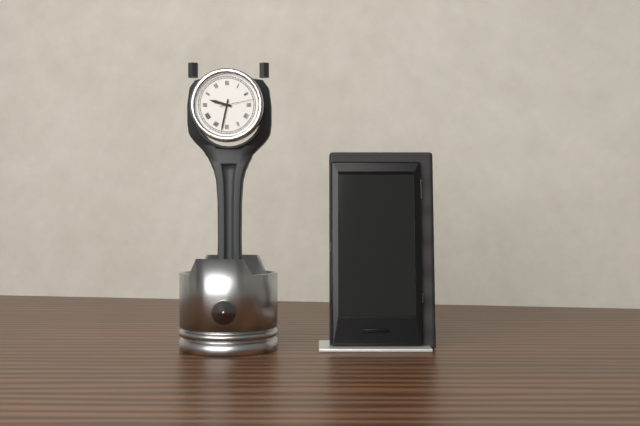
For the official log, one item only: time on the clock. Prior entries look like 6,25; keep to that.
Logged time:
9,32
